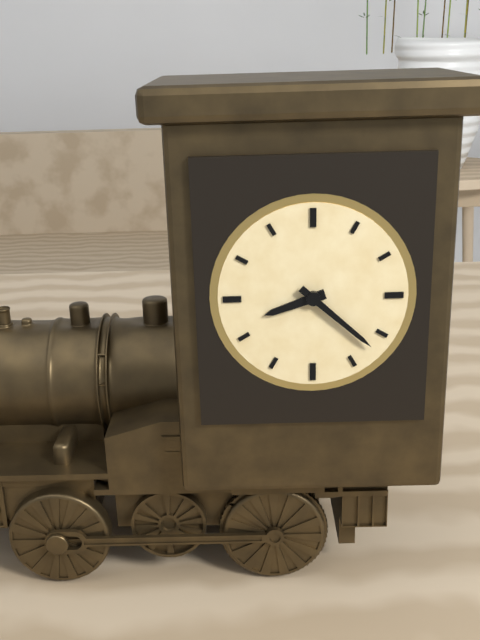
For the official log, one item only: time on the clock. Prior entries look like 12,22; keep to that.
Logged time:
8,22
